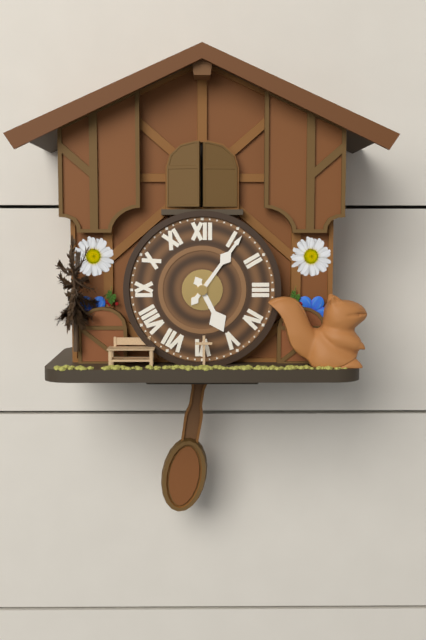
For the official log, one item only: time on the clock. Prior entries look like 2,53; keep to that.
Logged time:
5,06
